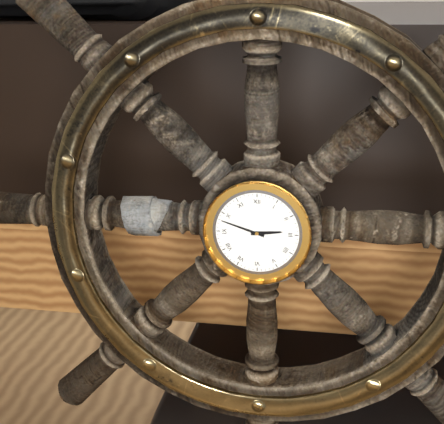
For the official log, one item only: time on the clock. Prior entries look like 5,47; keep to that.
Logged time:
2,48
